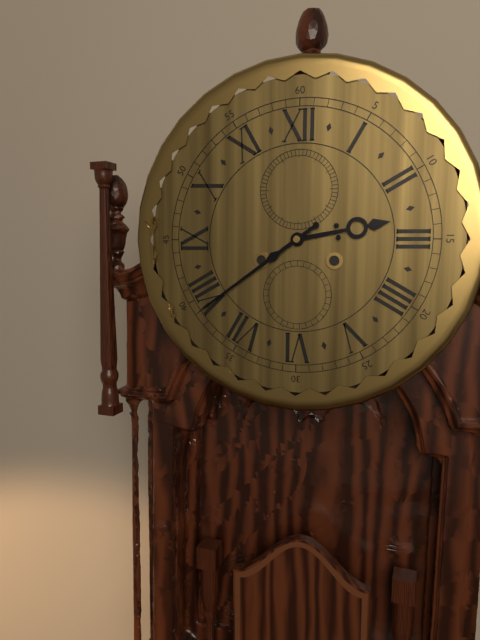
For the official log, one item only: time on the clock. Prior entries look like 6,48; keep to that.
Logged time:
2,39
